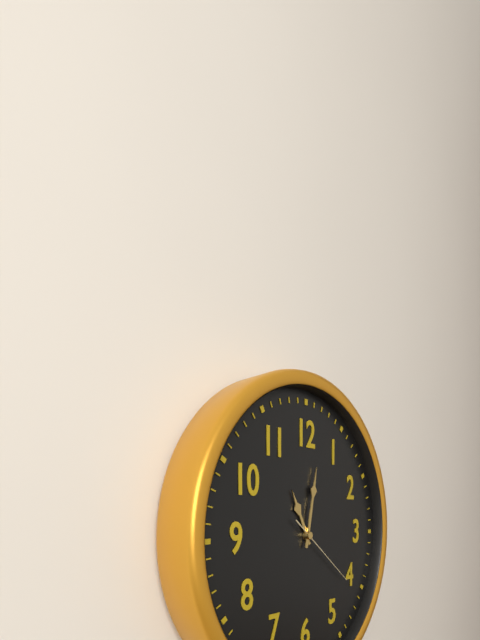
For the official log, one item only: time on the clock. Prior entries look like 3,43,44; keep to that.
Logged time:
11,02,21
